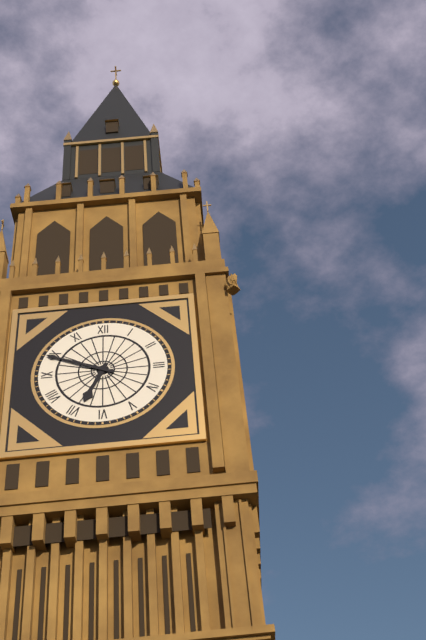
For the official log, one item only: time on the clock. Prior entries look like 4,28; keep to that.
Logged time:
6,49
